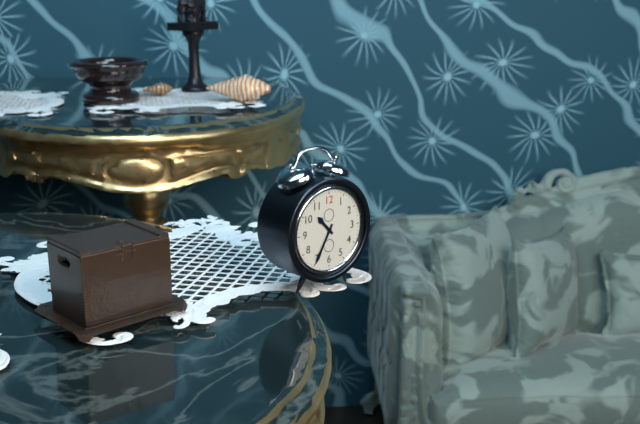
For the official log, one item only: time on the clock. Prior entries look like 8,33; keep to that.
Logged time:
10,35
